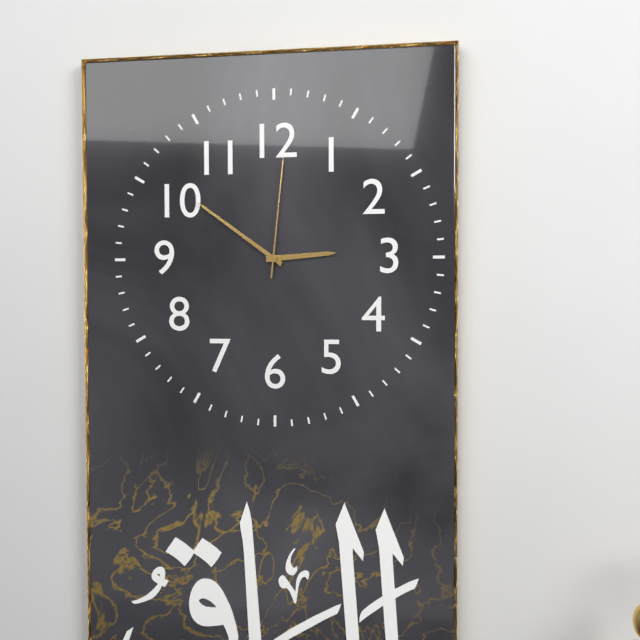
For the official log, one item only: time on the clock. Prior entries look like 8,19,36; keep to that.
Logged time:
2,51,01
